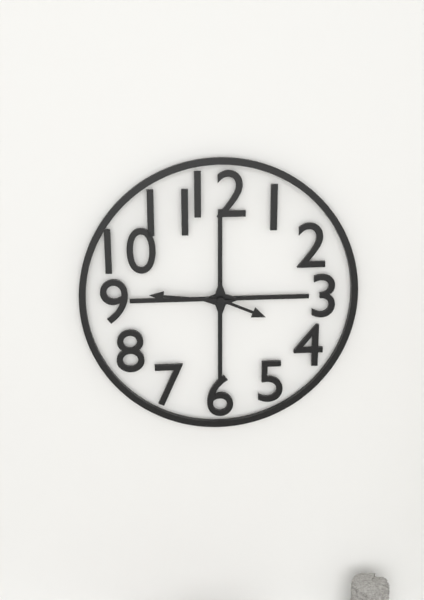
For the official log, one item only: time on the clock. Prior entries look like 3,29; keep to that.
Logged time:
3,46
